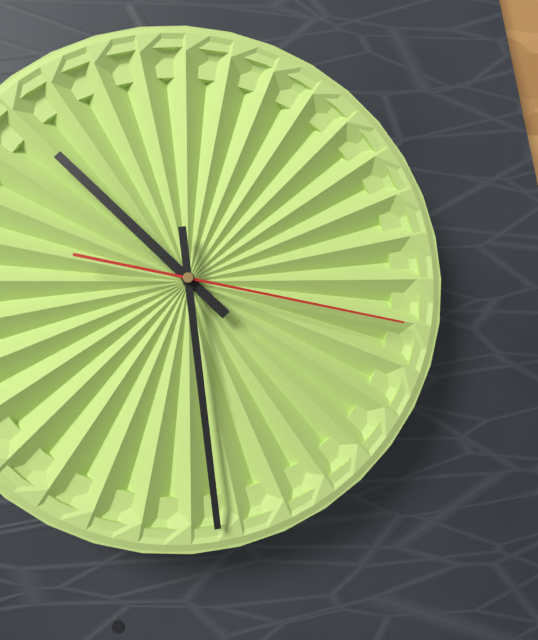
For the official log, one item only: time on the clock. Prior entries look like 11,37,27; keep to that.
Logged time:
10,29,17
